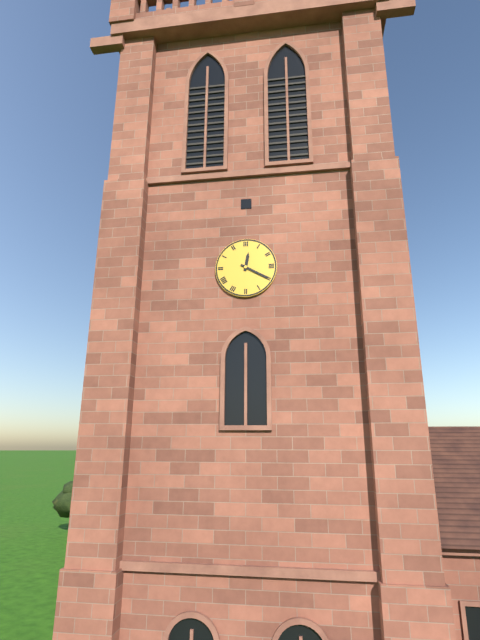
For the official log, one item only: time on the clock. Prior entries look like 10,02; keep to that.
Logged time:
12,20
